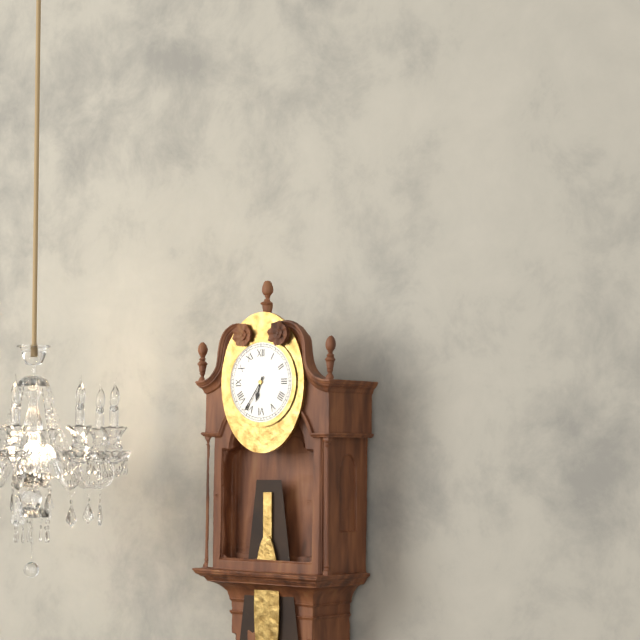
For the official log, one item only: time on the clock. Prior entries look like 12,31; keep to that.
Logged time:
6,36
